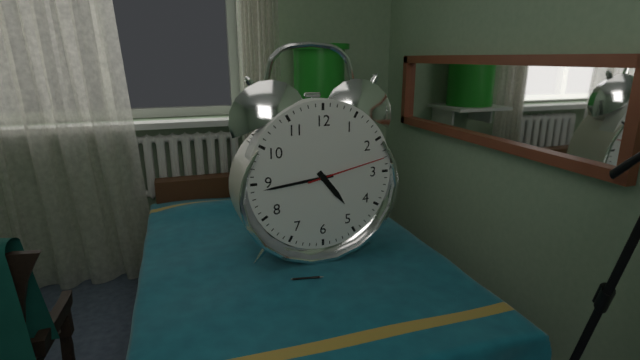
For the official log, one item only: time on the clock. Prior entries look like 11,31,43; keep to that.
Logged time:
4,44,13
